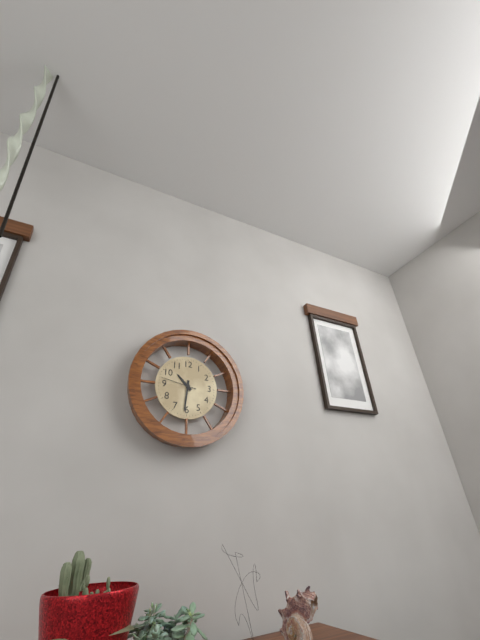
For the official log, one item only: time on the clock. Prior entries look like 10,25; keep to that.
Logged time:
10,31
